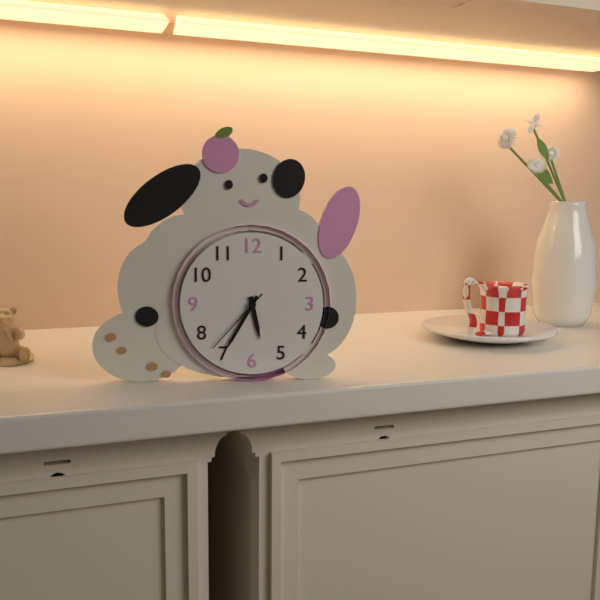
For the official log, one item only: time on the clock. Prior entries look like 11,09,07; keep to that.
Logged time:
5,35,37
